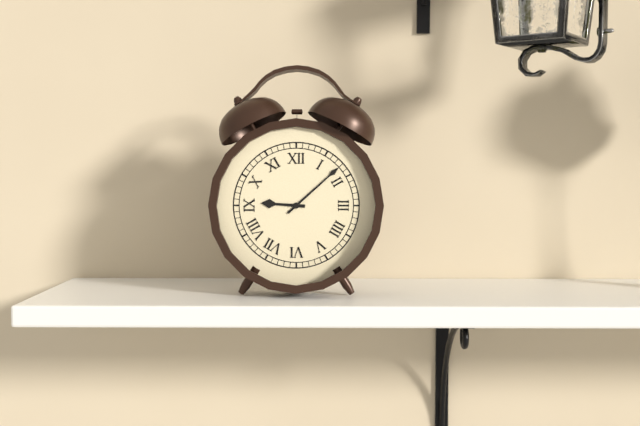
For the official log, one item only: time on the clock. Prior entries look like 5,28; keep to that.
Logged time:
9,08
